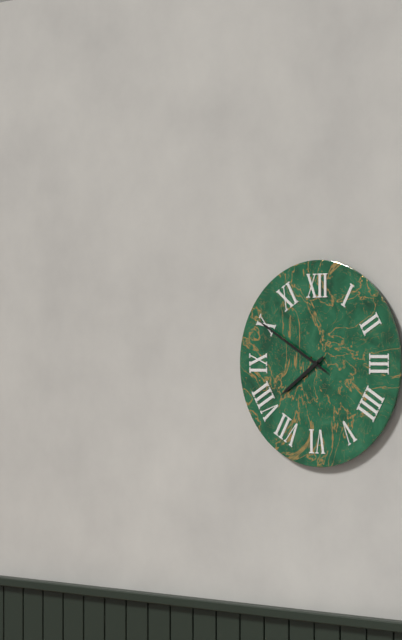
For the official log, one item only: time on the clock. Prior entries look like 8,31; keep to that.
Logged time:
7,50
